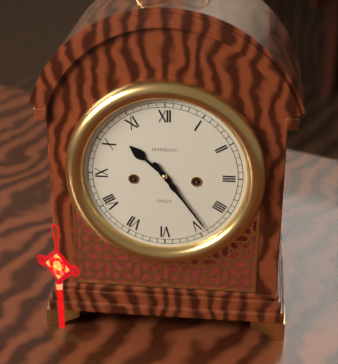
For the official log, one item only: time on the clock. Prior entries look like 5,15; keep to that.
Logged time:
10,24
